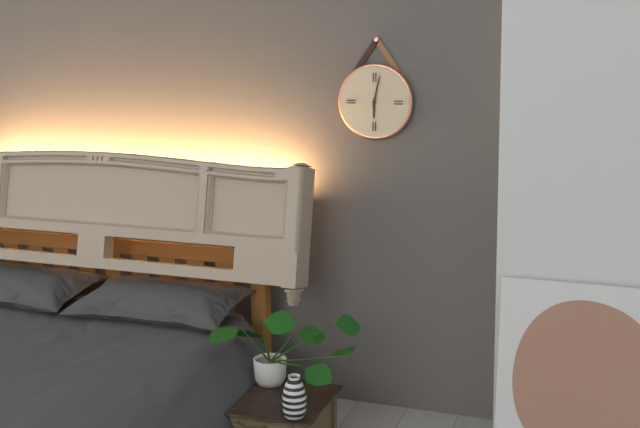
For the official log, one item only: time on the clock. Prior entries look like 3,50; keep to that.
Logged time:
6,02
